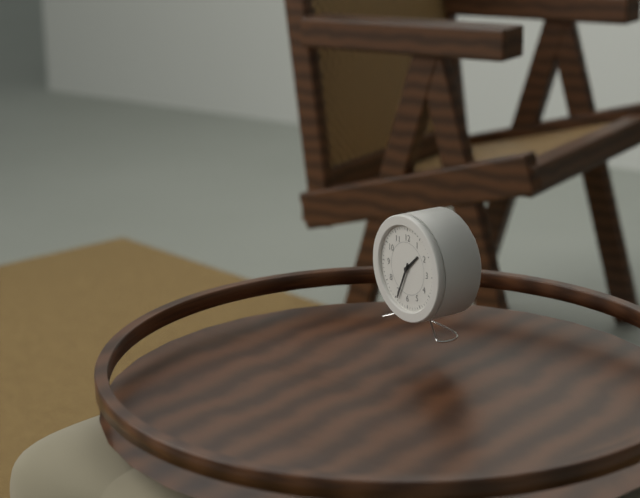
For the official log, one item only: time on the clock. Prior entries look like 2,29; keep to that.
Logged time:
1,34
